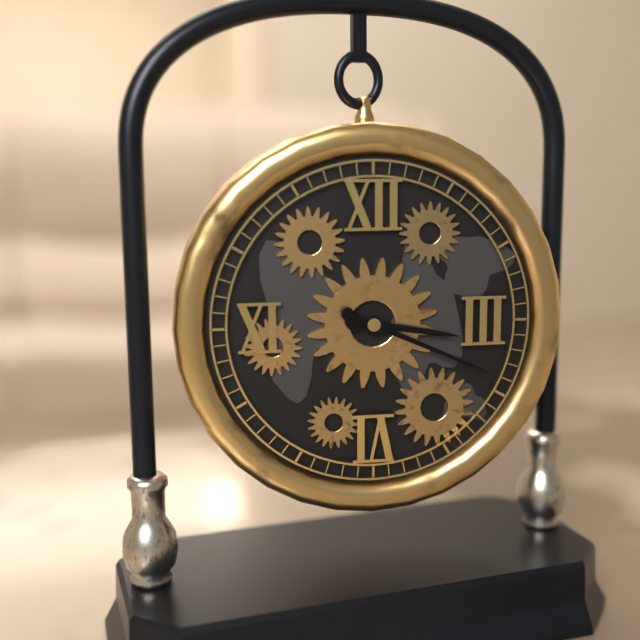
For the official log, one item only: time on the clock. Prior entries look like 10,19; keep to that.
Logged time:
3,19
